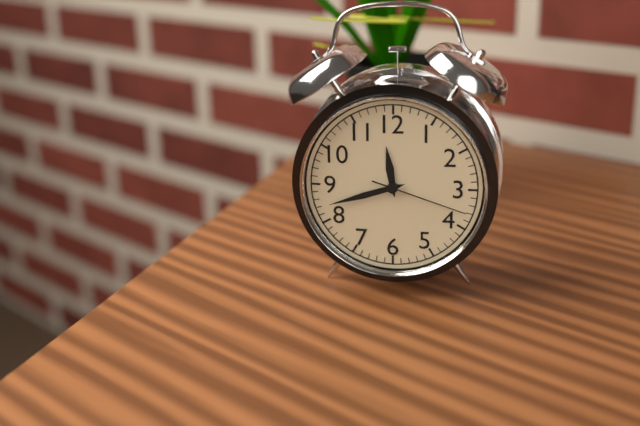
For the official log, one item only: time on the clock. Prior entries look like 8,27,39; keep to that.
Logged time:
11,42,18
